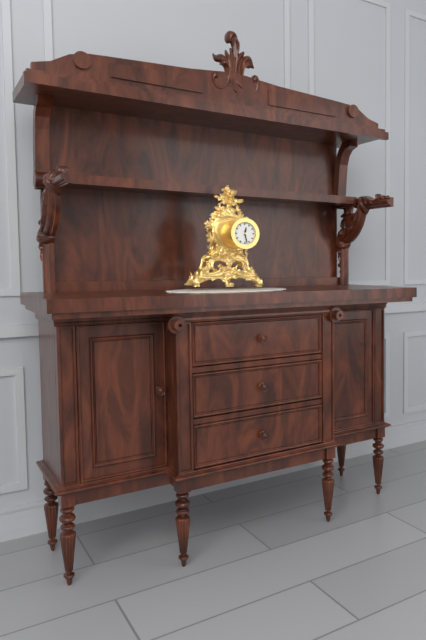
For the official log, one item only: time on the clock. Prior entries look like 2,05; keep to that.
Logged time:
12,28
